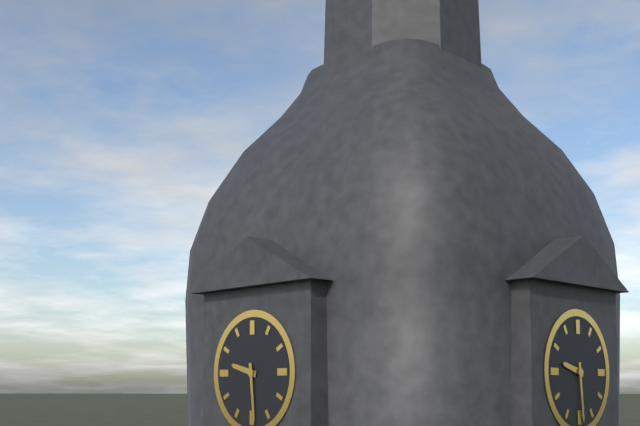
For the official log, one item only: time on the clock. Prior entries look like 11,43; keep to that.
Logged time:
9,29
